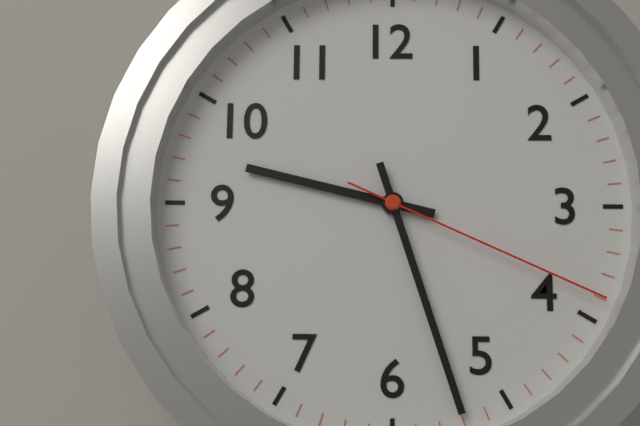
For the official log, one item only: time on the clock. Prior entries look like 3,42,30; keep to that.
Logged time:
9,27,19
